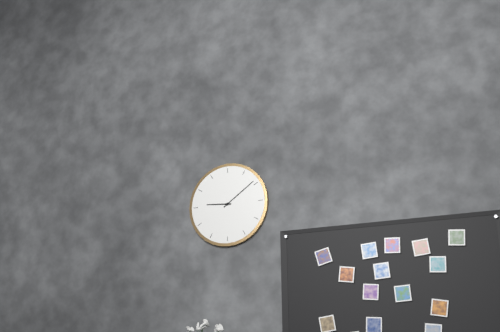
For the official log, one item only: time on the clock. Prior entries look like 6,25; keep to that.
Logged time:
9,09
